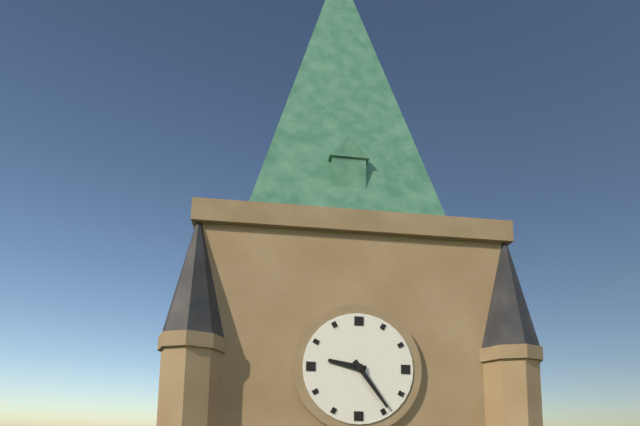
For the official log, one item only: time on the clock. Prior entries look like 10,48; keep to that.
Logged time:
9,24
